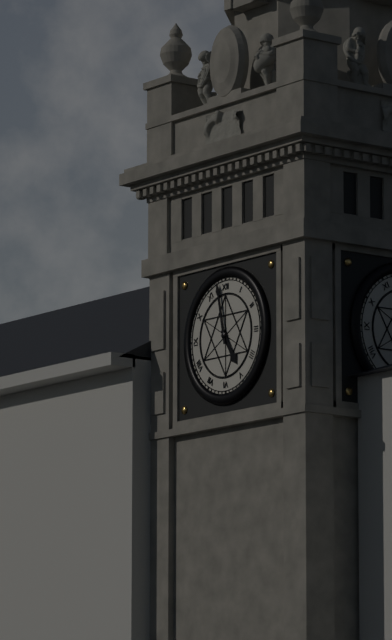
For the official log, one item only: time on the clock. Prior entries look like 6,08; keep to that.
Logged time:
4,58
